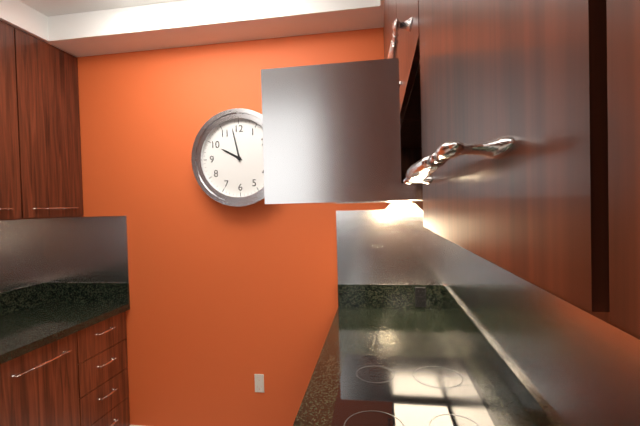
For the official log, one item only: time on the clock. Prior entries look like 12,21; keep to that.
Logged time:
9,58
